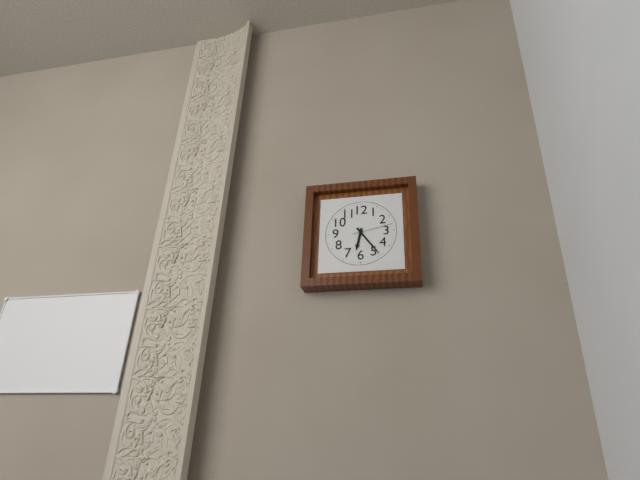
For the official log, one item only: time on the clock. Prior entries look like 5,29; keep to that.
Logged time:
6,24
